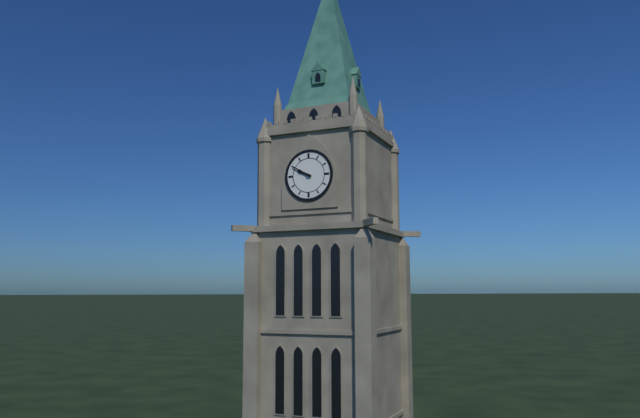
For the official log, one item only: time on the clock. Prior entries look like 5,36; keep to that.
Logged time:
9,50
